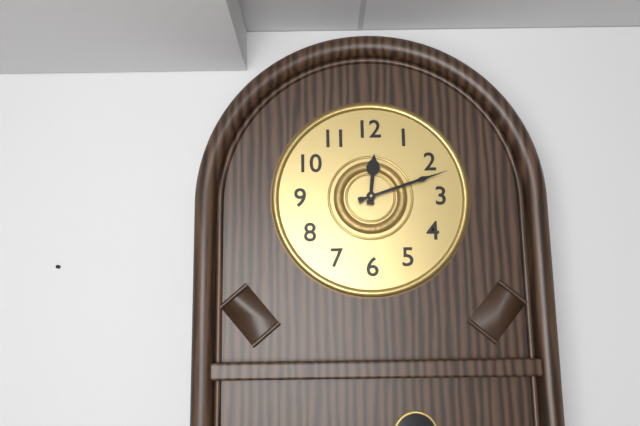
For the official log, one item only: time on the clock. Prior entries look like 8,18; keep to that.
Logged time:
12,12
